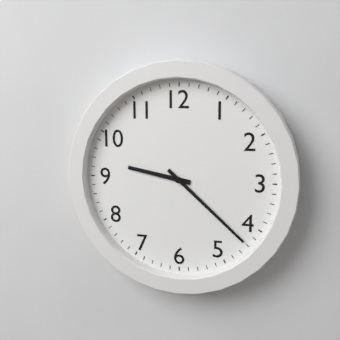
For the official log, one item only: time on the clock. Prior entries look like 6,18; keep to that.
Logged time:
9,22
